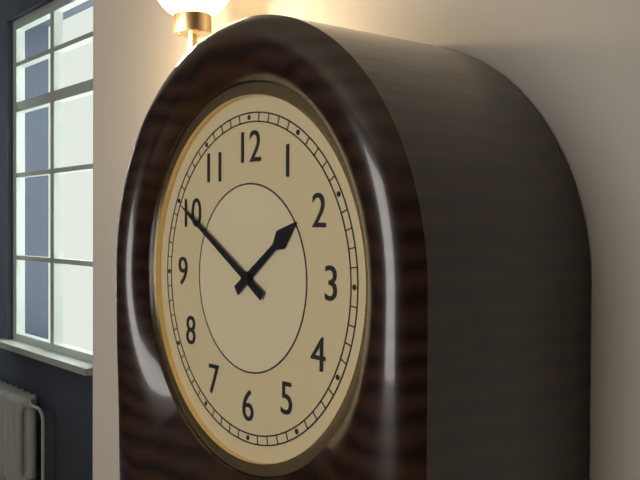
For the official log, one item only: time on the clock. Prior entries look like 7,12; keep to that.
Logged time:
1,50
